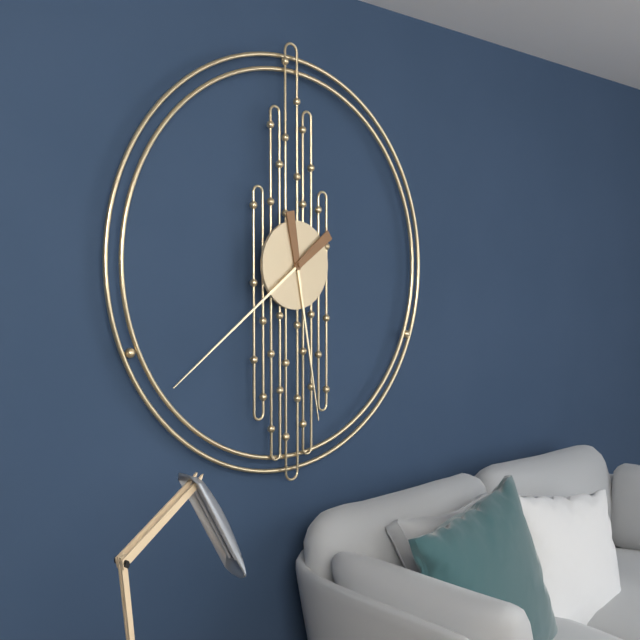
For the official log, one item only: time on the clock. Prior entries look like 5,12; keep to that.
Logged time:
5,39
